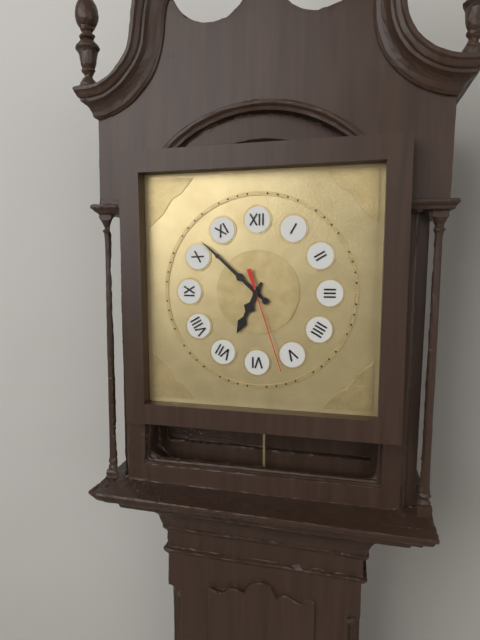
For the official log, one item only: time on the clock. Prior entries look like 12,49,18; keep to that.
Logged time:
6,52,27
